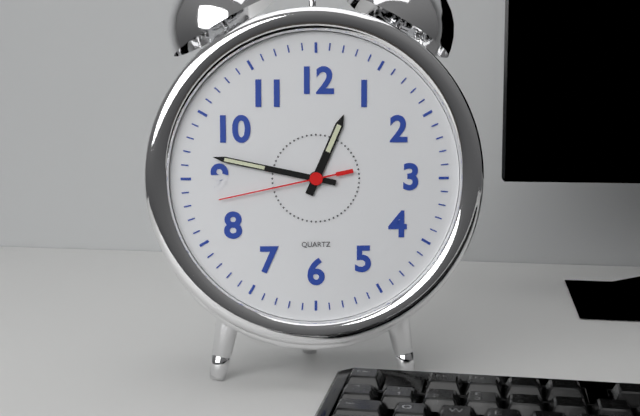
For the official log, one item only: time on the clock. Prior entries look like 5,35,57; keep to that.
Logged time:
12,47,43
